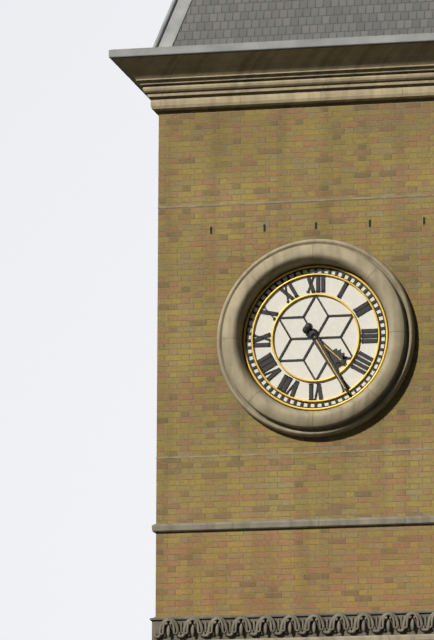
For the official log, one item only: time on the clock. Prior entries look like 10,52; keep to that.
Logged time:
4,25
